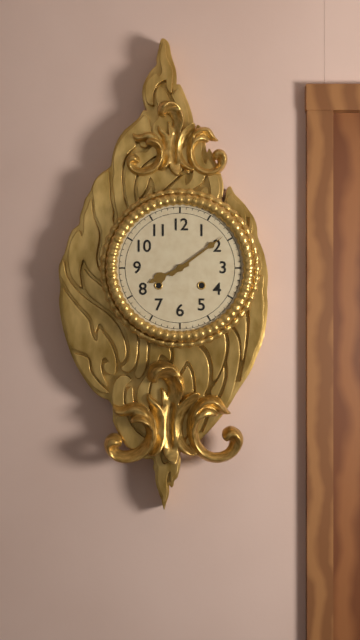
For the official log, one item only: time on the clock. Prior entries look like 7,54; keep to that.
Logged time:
8,09
